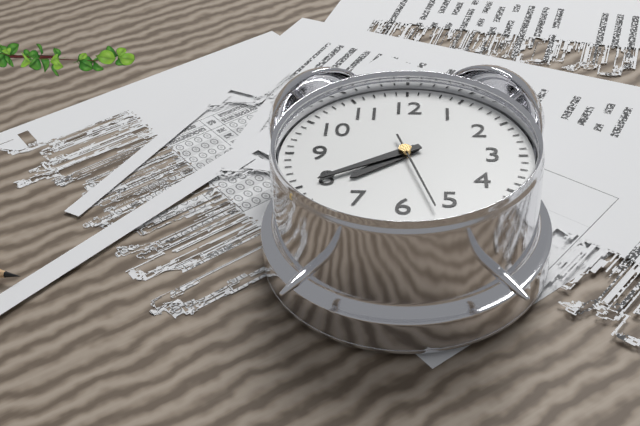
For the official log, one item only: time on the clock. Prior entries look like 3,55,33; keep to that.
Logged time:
7,40,27
